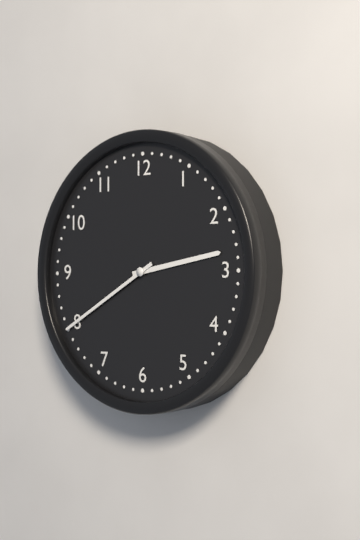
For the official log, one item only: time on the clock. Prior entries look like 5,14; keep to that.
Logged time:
2,40
